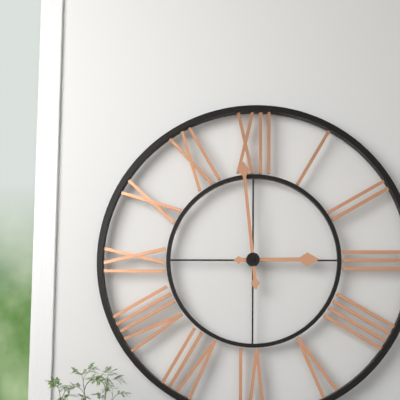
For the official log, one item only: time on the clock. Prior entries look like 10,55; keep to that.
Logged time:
2,59
